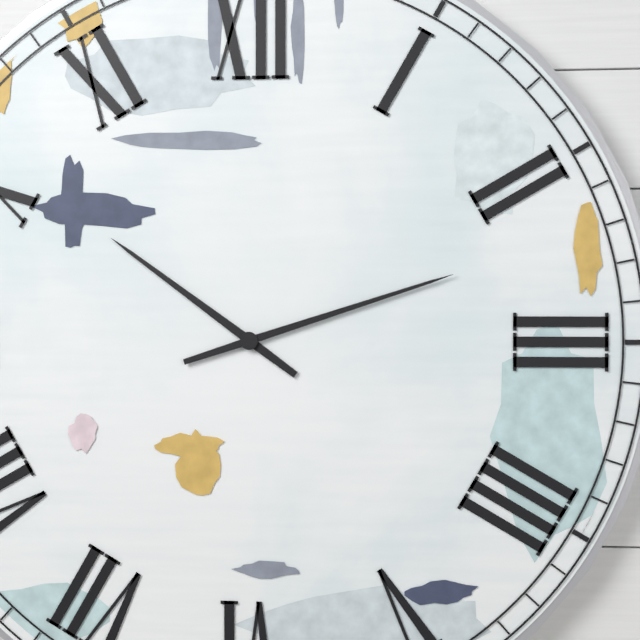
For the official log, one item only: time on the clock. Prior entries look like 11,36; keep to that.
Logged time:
10,12
